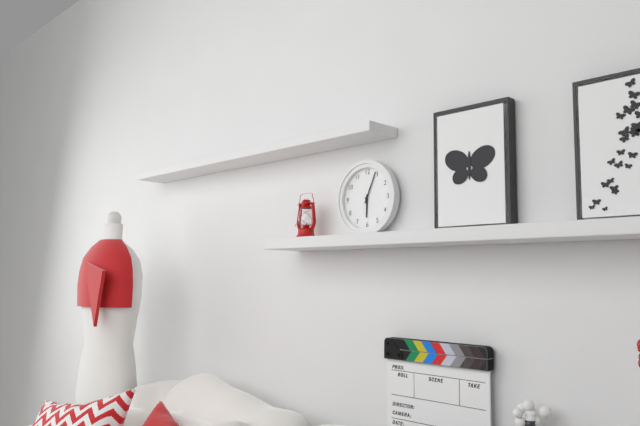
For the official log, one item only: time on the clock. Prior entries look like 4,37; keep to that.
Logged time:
6,04
